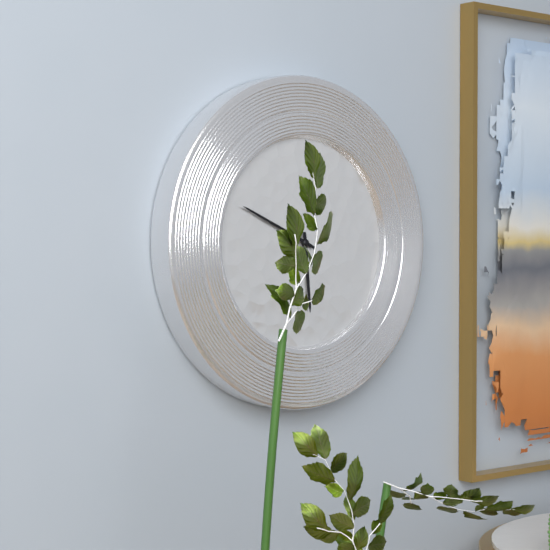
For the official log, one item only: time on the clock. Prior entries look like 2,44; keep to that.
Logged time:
5,49
